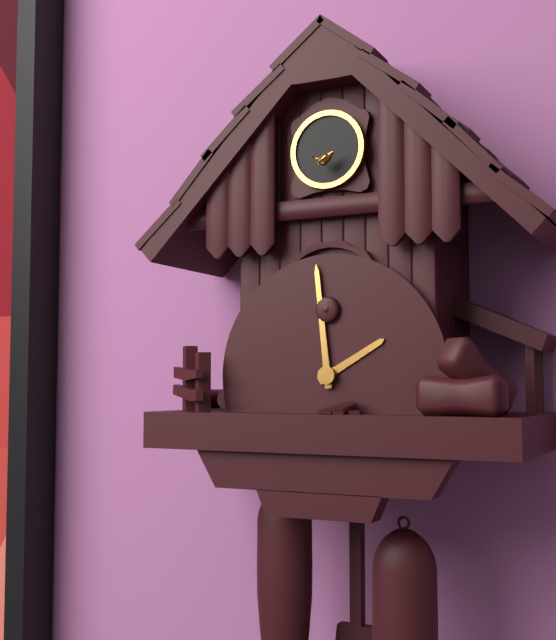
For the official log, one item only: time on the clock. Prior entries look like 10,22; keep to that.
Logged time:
1,59
